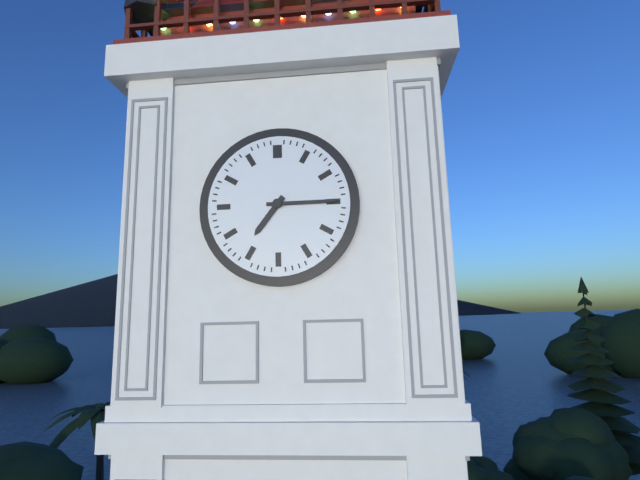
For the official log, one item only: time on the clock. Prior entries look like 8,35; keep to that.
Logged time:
7,15
